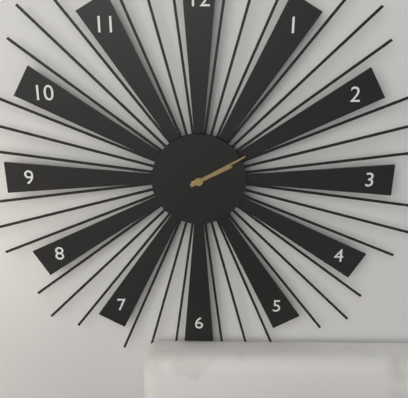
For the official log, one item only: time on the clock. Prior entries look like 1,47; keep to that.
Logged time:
2,10
